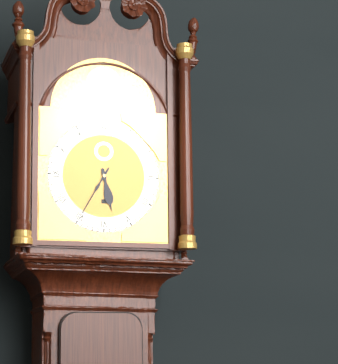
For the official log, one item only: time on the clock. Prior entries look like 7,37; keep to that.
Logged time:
5,35
